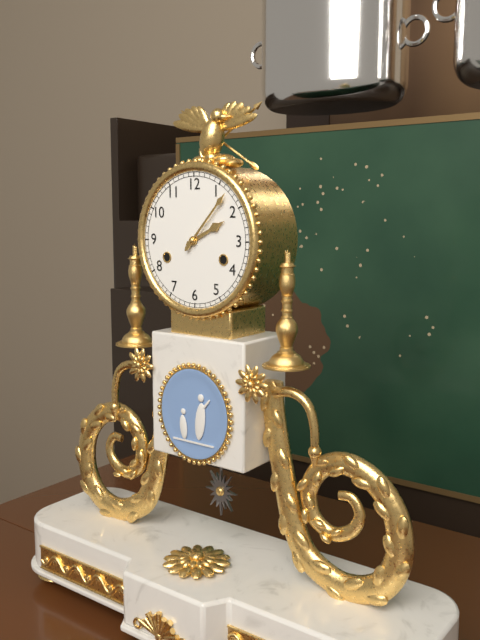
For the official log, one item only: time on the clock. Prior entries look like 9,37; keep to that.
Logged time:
2,07
